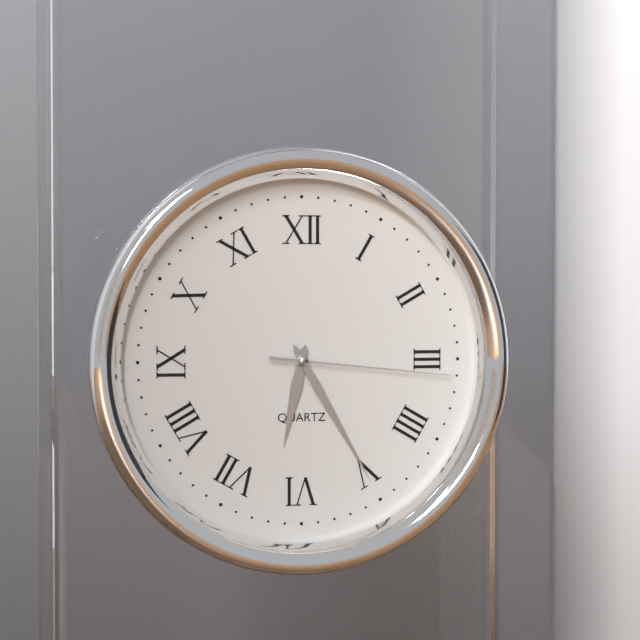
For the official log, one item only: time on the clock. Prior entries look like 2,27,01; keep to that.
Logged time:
6,25,16
